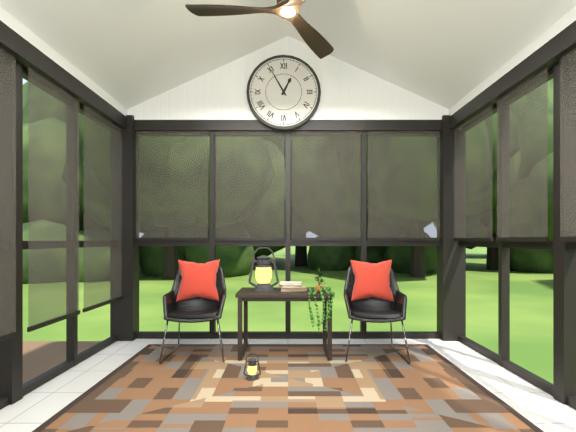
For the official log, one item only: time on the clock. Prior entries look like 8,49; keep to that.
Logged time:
12,55
